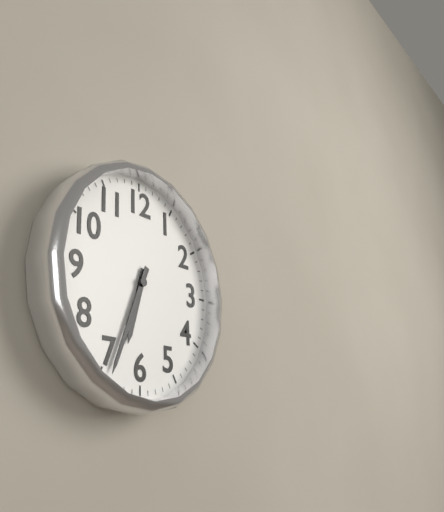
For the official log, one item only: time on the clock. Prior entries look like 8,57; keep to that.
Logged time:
6,34
